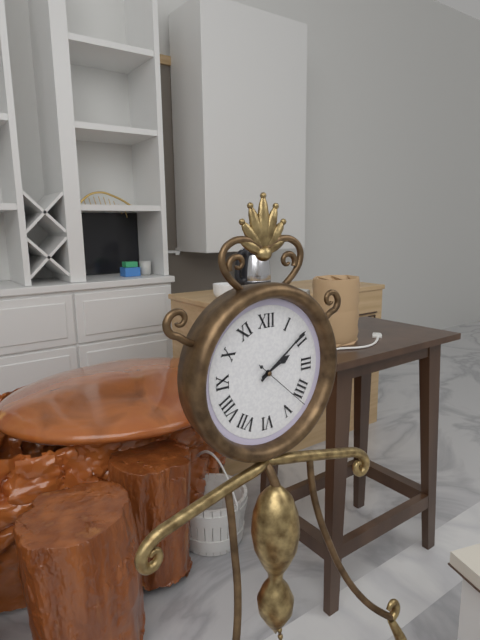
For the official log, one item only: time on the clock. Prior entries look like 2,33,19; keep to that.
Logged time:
2,09,22
